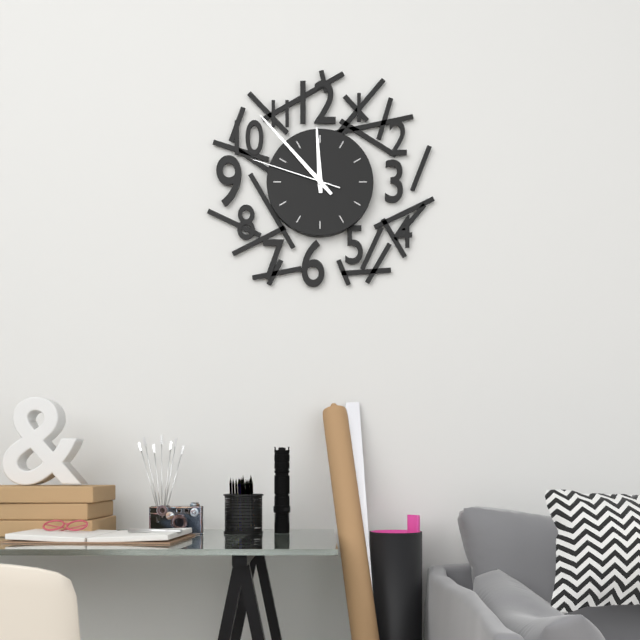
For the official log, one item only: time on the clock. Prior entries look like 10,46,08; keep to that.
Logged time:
11,53,48
